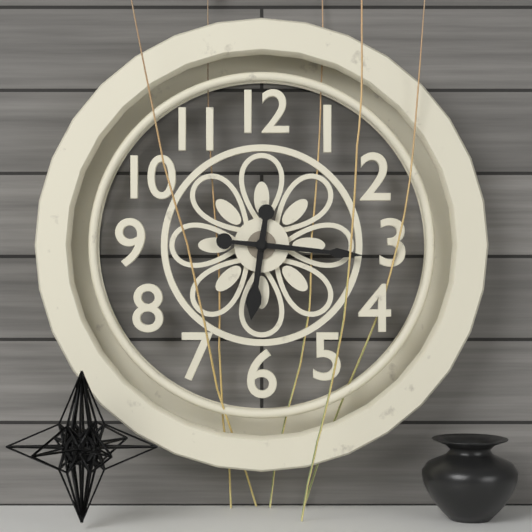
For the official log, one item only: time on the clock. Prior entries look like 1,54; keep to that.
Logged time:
6,16
